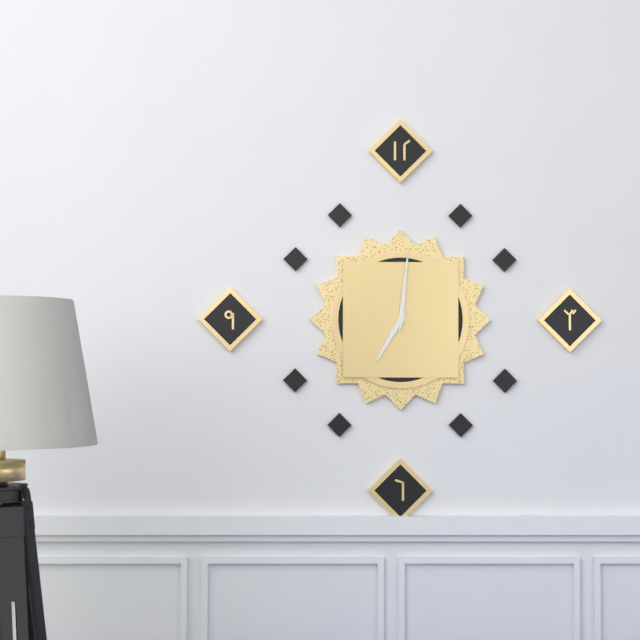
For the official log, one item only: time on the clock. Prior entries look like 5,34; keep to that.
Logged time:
7,01
